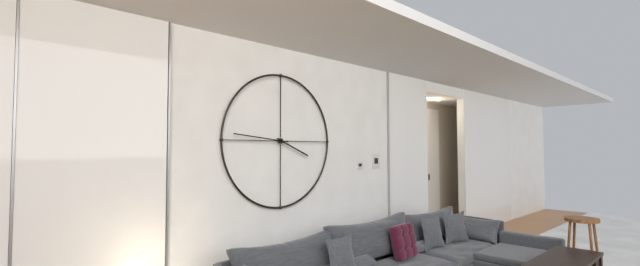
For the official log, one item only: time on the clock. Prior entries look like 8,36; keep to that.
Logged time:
3,46
